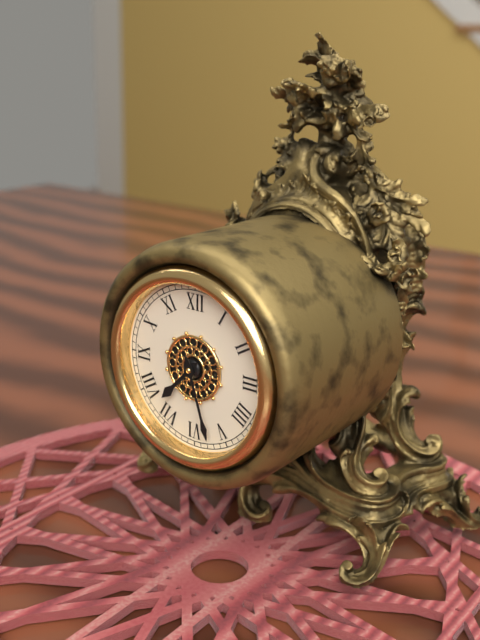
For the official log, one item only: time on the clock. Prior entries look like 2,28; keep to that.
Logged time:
7,27
